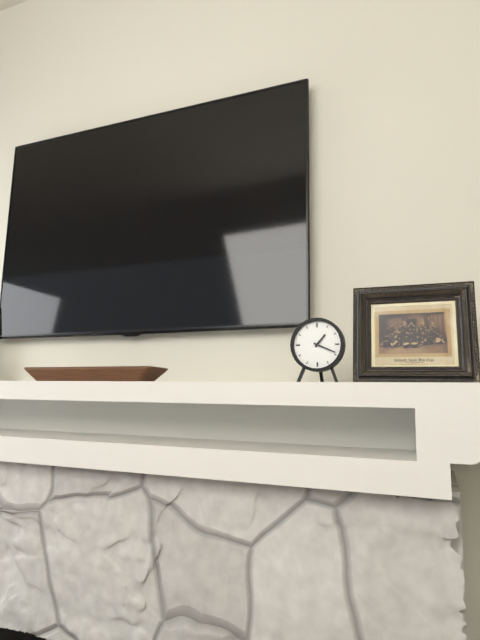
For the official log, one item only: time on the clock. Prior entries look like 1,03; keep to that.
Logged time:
1,19
